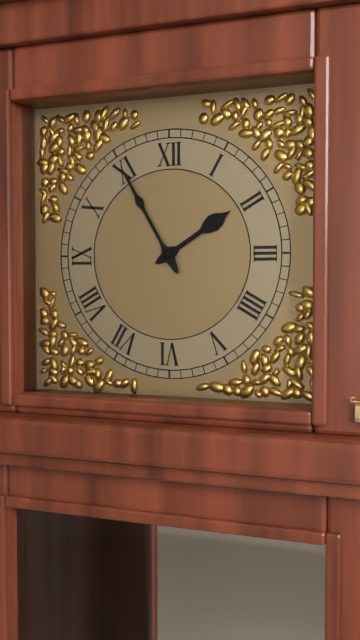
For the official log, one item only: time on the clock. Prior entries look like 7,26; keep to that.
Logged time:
1,55
